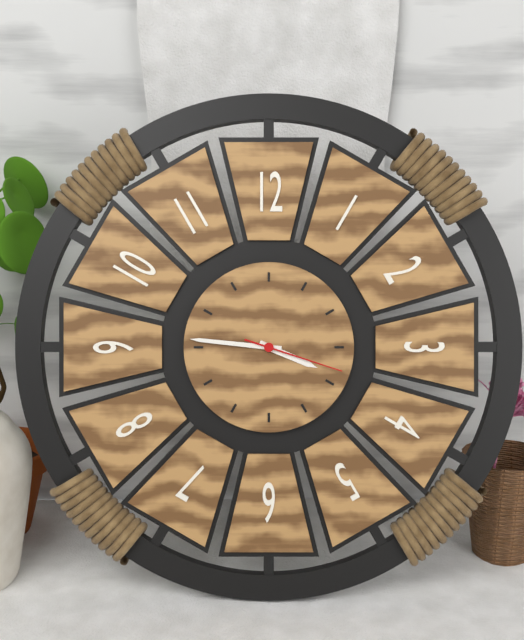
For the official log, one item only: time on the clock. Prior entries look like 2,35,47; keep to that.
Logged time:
3,46,18
